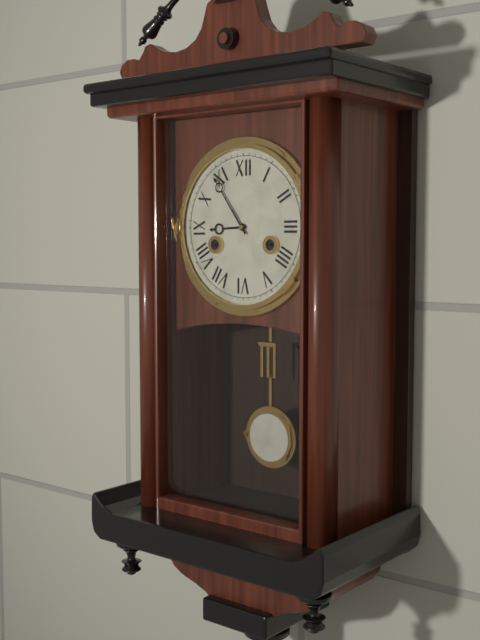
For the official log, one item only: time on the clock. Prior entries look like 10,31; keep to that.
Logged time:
8,54
